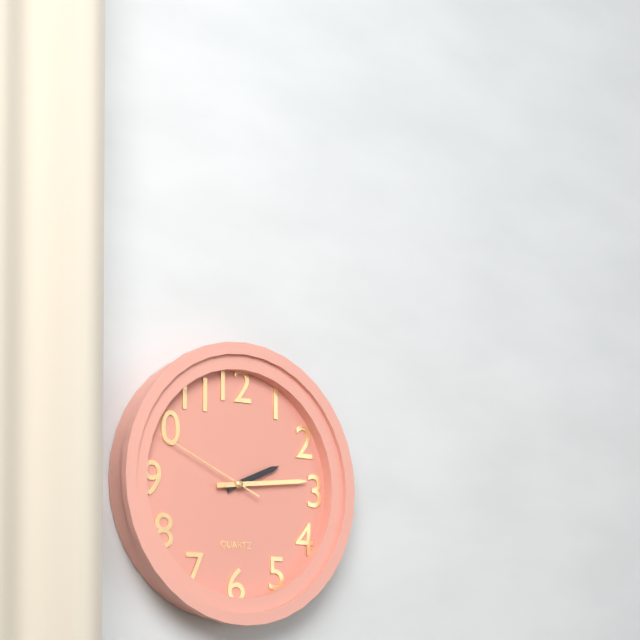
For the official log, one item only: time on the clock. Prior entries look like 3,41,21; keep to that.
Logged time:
2,14,49
